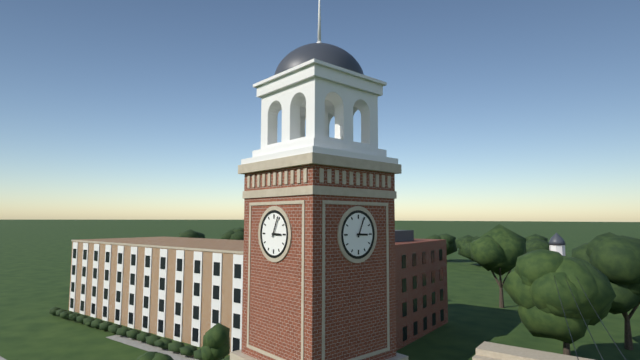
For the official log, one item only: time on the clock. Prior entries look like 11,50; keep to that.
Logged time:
3,04
